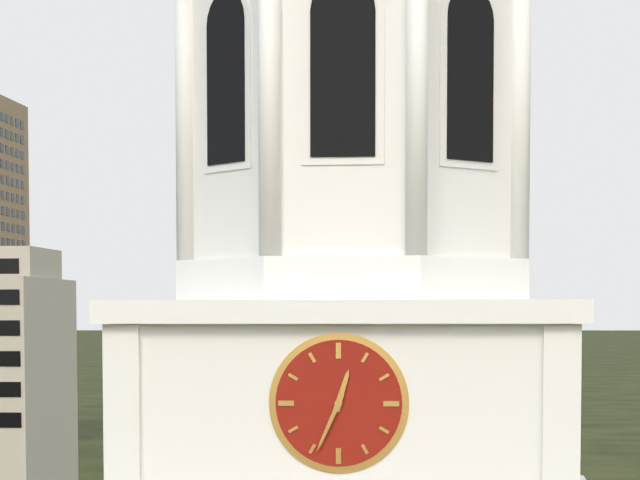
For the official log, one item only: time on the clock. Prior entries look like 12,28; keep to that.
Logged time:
12,34
